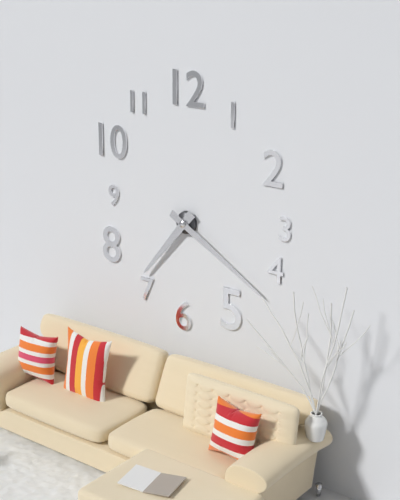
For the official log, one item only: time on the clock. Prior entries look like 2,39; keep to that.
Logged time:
7,20
